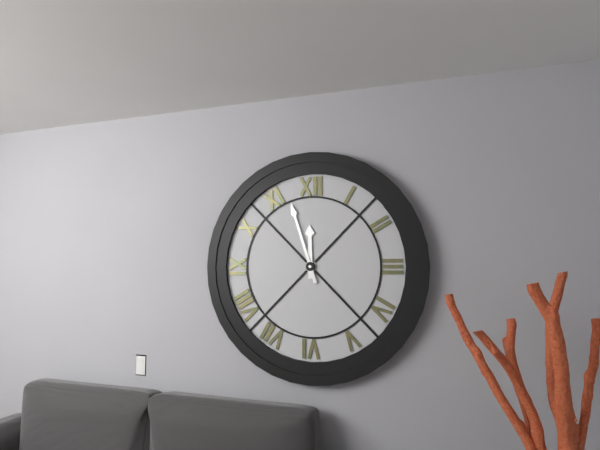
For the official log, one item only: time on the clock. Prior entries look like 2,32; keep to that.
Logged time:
11,57
